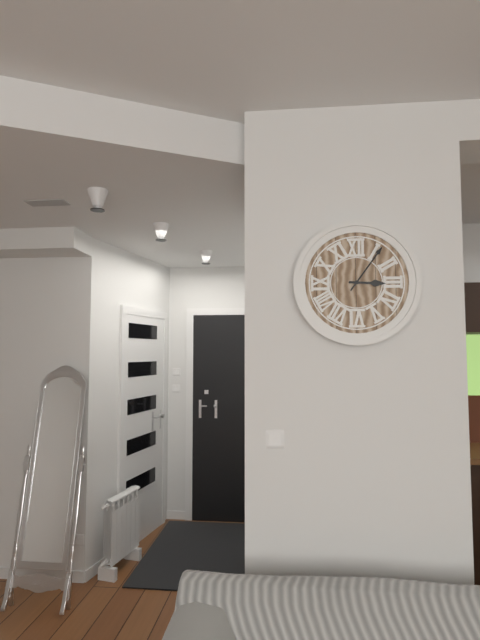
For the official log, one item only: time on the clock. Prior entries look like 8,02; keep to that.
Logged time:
3,06
